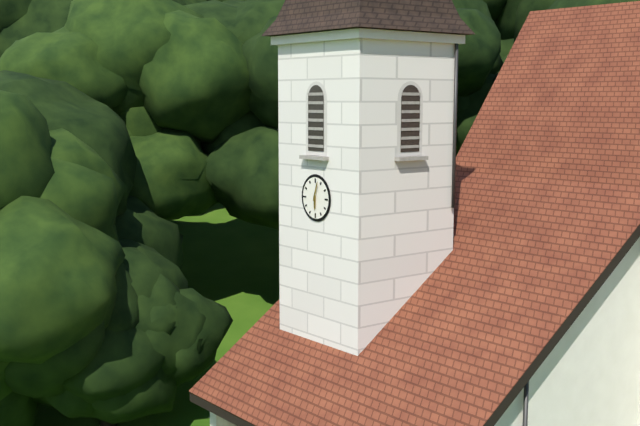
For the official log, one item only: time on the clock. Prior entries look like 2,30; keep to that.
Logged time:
6,03
